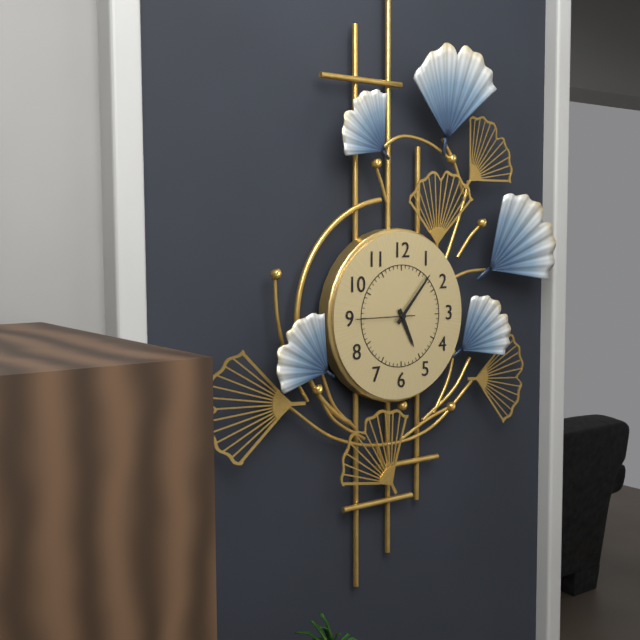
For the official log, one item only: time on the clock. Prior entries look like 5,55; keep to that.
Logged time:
5,07
